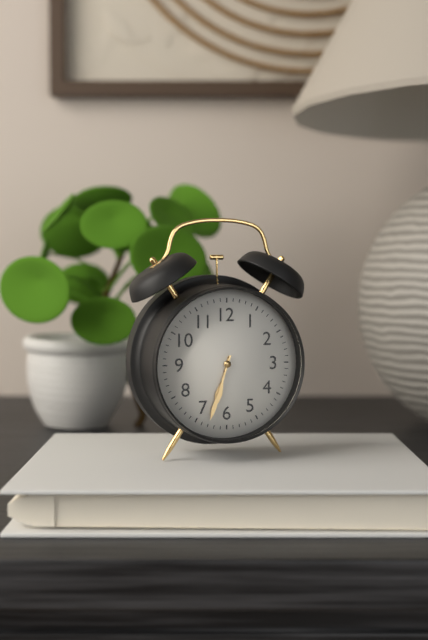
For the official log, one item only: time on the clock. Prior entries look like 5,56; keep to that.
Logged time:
6,33
